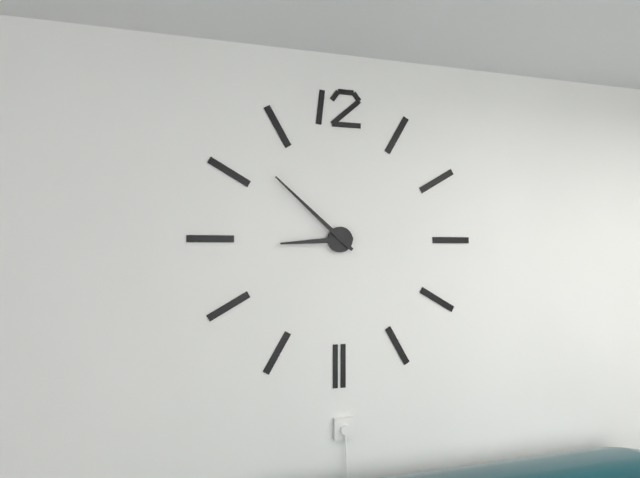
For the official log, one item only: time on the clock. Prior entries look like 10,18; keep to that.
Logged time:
8,52
